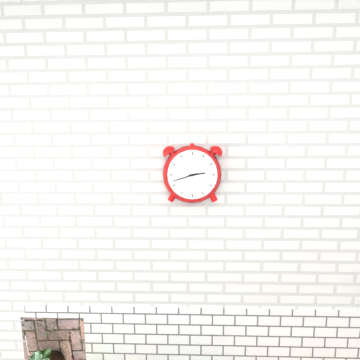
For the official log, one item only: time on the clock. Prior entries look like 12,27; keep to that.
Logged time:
2,42
